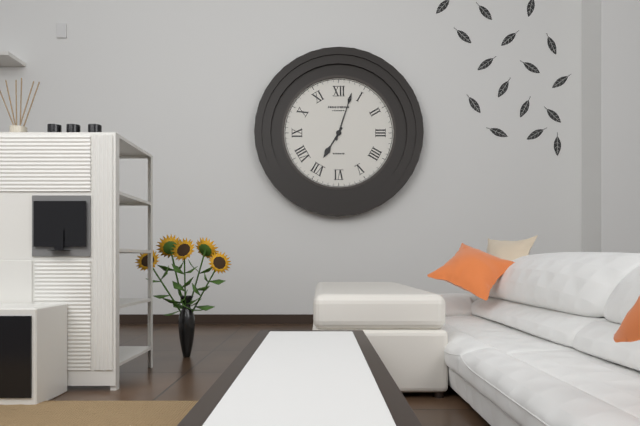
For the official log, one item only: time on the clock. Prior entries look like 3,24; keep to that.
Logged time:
7,03
